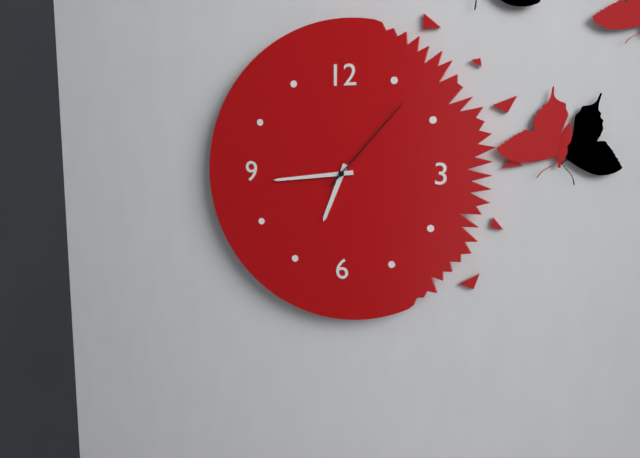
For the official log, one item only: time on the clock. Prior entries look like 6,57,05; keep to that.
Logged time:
6,44,07
